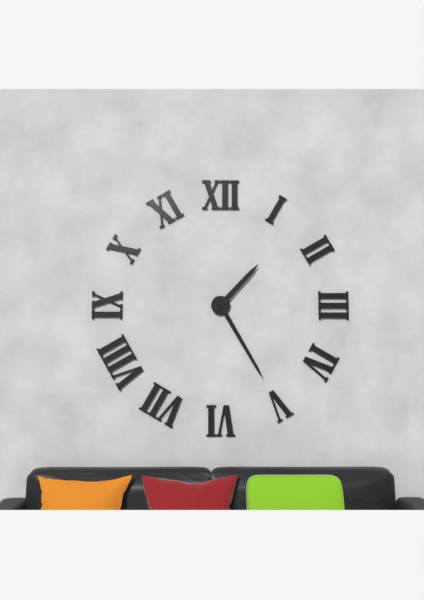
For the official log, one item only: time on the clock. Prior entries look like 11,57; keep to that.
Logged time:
1,25
